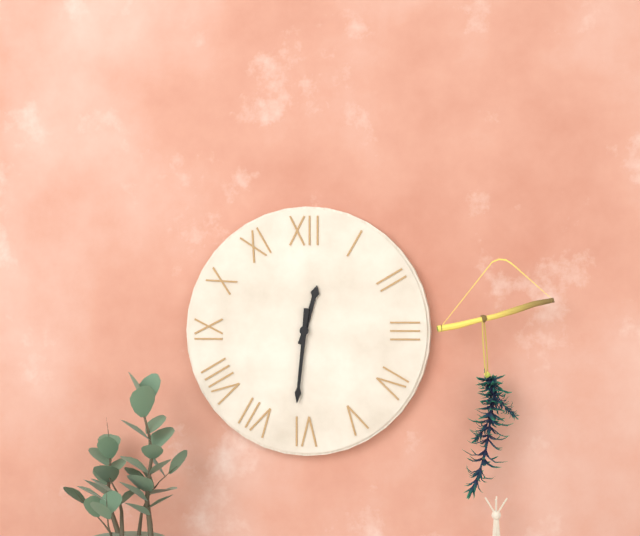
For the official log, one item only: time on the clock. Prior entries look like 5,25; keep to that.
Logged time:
12,31
